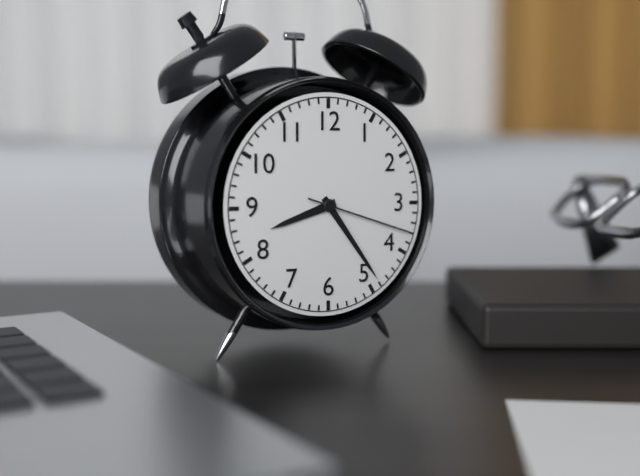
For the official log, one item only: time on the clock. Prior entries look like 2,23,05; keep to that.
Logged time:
8,24,18
